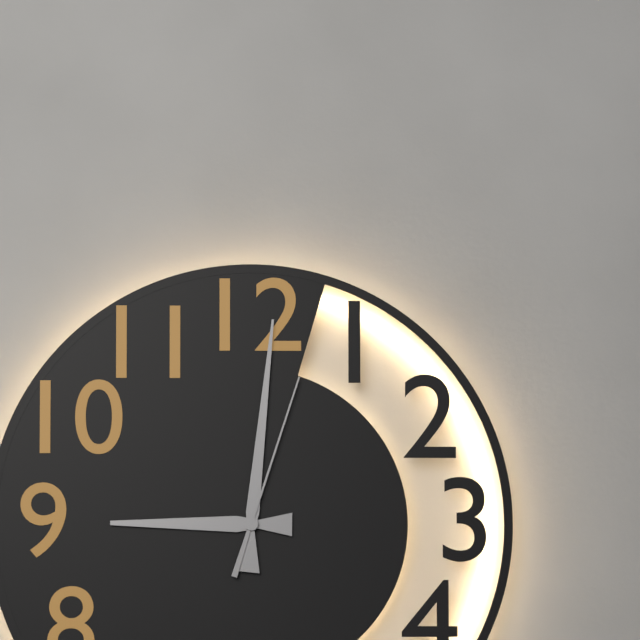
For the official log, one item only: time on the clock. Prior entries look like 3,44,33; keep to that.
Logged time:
9,01,03
